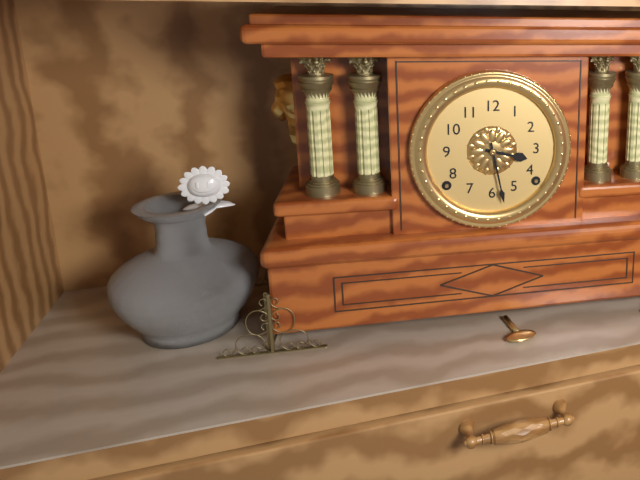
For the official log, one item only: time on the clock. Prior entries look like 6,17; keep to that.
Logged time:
3,28
